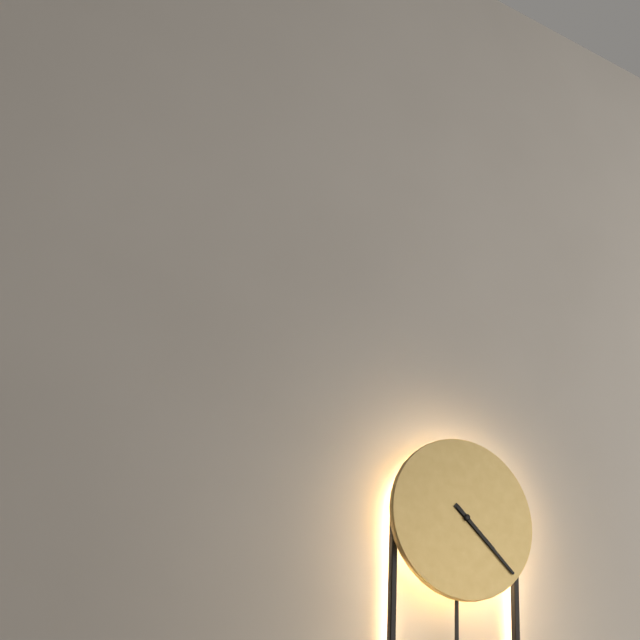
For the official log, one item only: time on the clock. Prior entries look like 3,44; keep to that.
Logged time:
4,22
